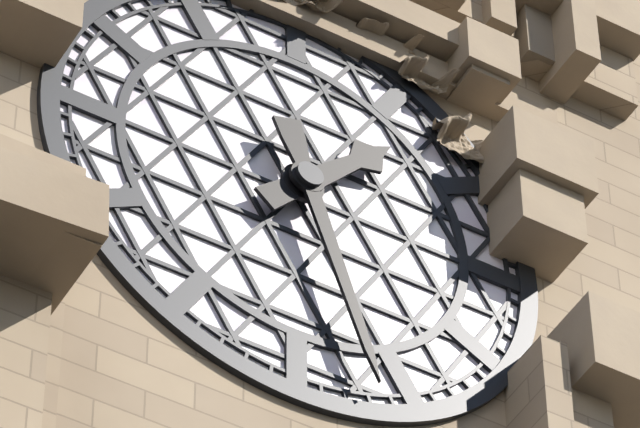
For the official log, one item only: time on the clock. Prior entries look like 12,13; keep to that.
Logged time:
1,27
